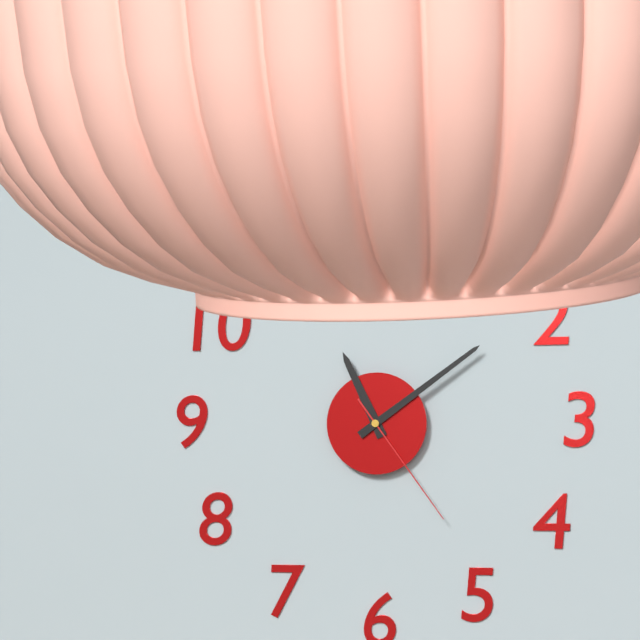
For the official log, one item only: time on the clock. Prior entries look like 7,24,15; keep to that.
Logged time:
11,09,24
